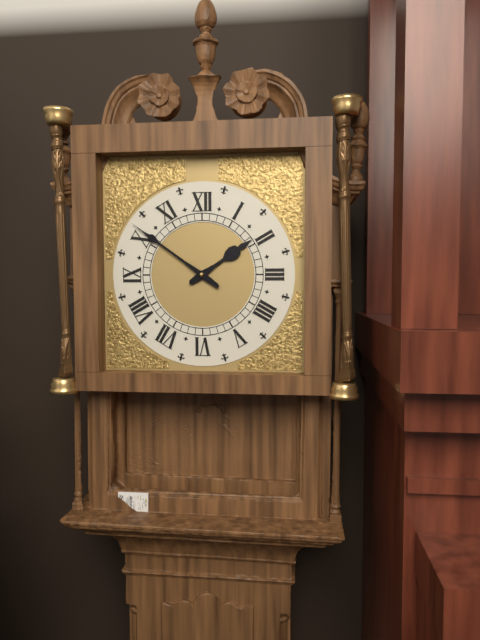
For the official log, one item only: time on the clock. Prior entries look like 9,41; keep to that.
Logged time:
1,51
